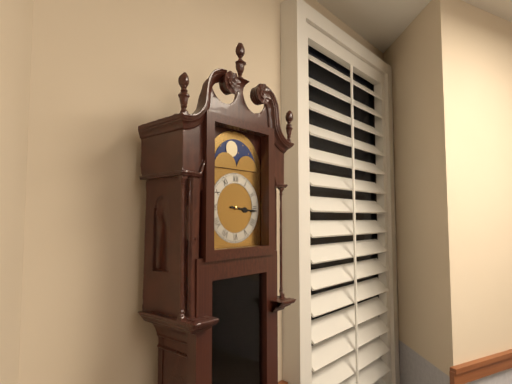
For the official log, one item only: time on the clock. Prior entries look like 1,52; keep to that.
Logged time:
3,16
